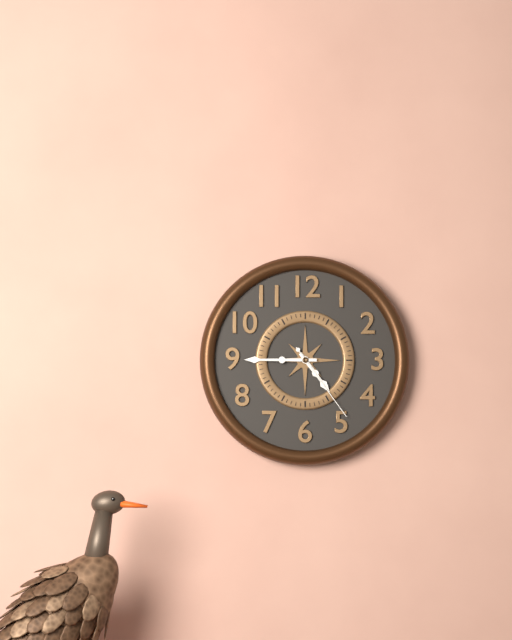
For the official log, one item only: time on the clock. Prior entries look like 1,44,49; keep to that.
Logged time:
4,45,24
